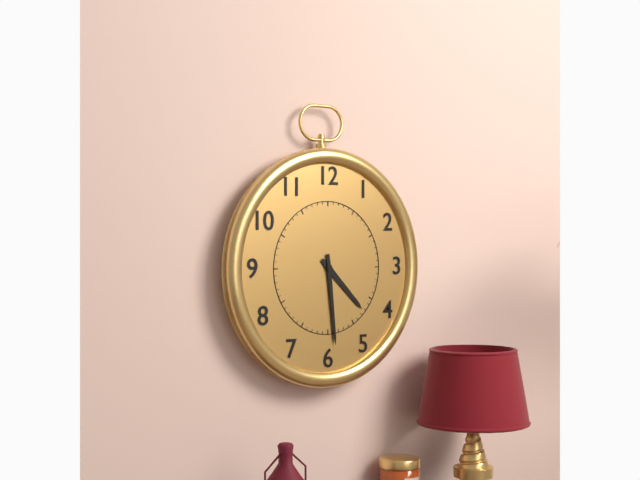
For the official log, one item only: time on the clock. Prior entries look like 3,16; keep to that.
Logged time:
4,29
